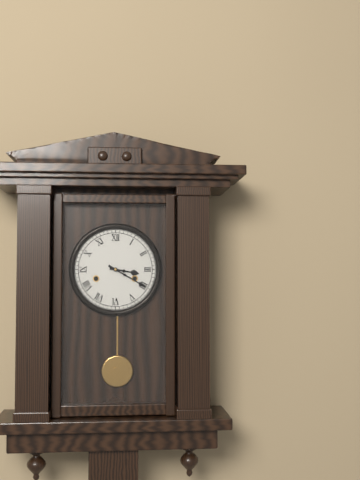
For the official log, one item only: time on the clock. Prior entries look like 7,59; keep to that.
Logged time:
3,20
